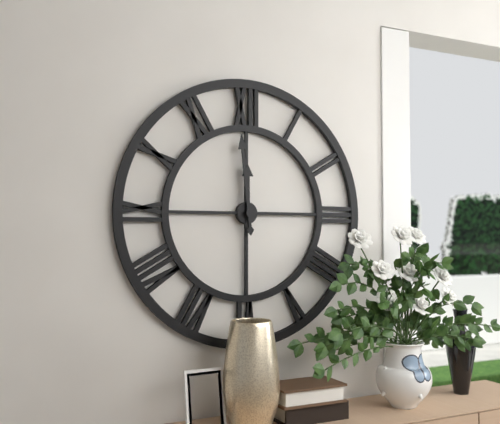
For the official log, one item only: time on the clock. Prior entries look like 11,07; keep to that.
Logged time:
11,59
